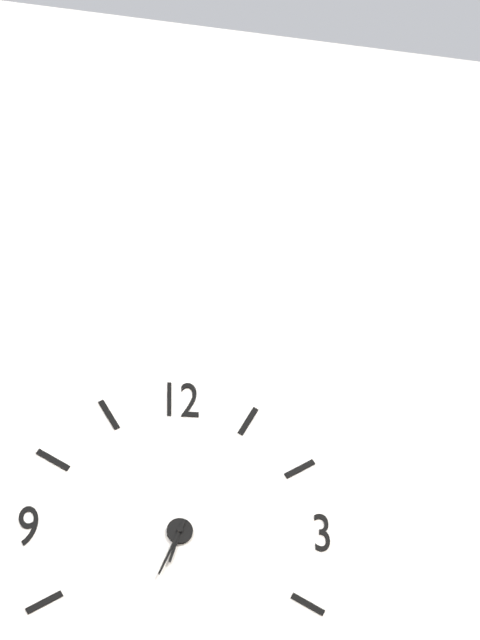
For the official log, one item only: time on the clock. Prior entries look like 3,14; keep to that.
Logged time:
6,34
